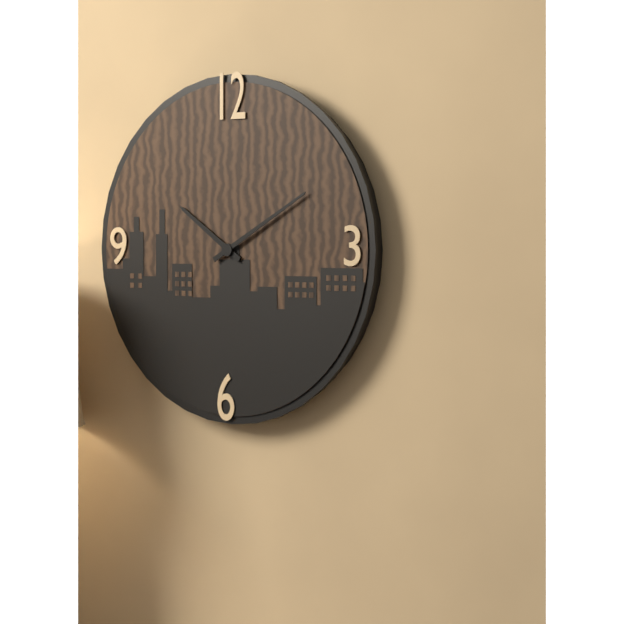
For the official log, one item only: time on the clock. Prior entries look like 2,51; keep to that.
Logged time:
10,10
